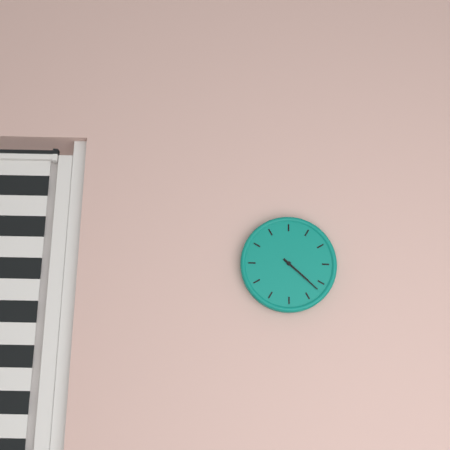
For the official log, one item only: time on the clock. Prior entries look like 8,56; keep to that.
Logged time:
4,22
